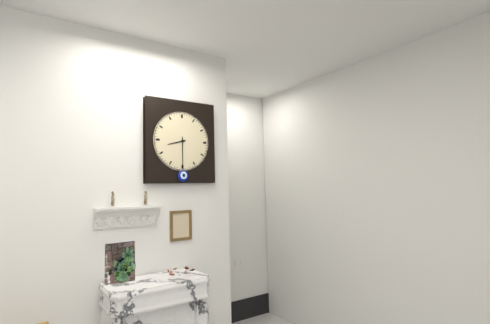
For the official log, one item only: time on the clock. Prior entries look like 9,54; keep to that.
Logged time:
8,30
